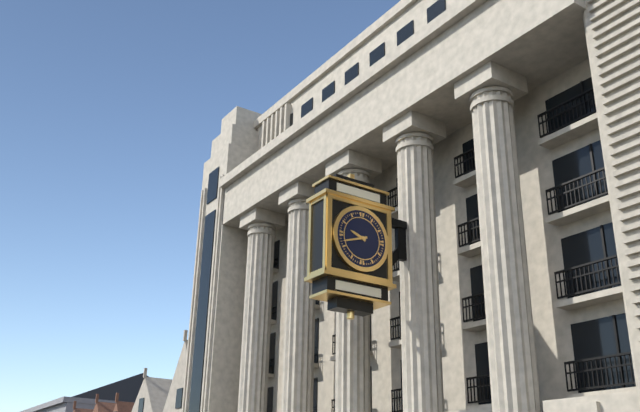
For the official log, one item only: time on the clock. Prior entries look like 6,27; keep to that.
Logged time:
9,42
